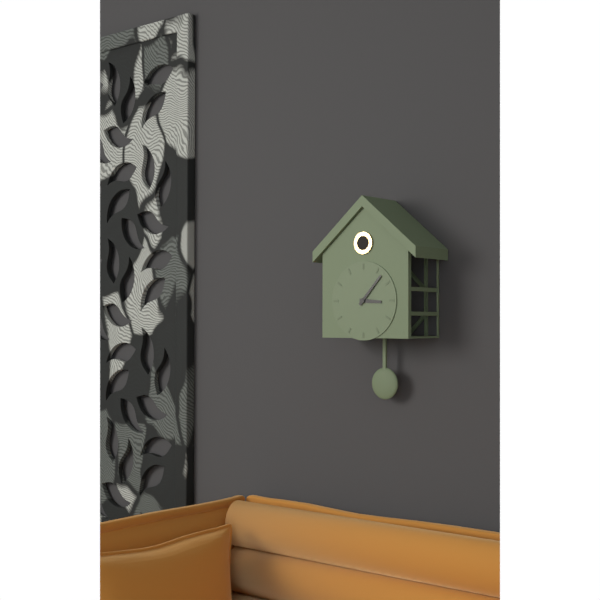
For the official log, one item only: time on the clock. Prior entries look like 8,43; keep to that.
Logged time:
3,07
